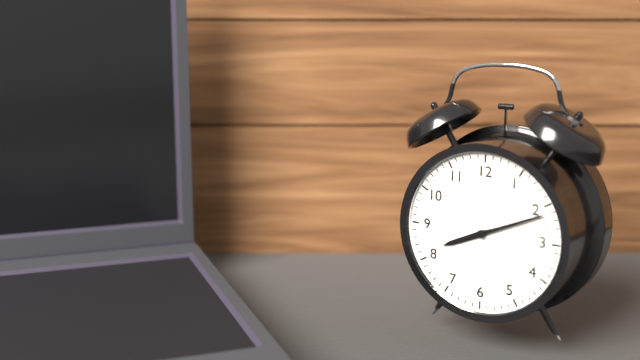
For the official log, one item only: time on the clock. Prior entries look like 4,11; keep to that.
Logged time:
8,11
